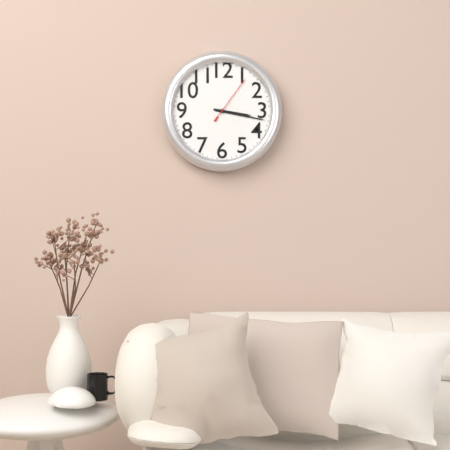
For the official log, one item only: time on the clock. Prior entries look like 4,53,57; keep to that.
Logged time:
3,17,06
